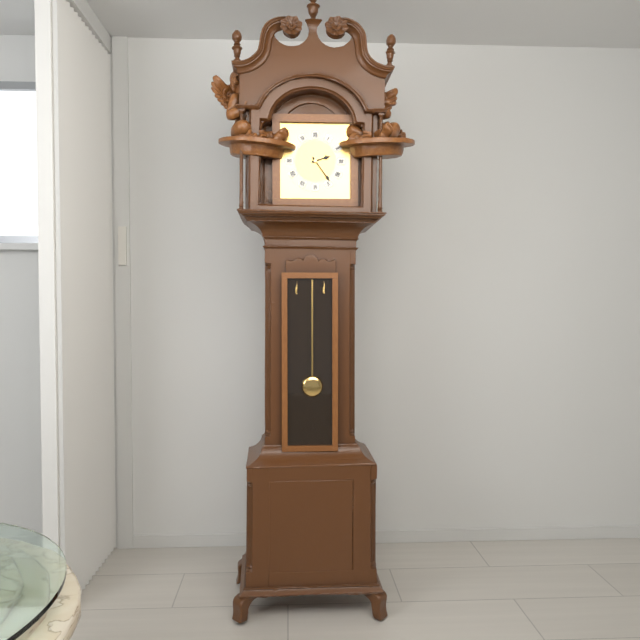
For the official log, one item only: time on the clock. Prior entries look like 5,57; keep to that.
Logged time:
2,24
